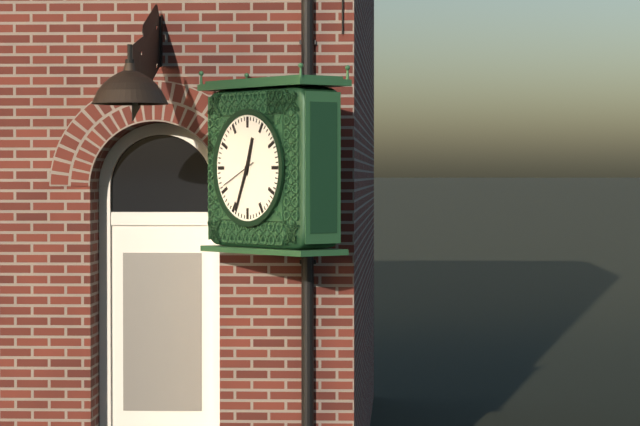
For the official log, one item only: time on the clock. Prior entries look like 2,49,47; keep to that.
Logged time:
12,34,41
